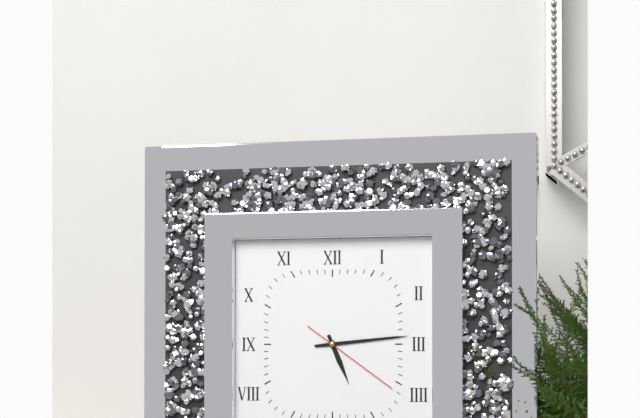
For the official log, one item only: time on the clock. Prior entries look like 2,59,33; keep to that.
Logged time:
5,14,21
